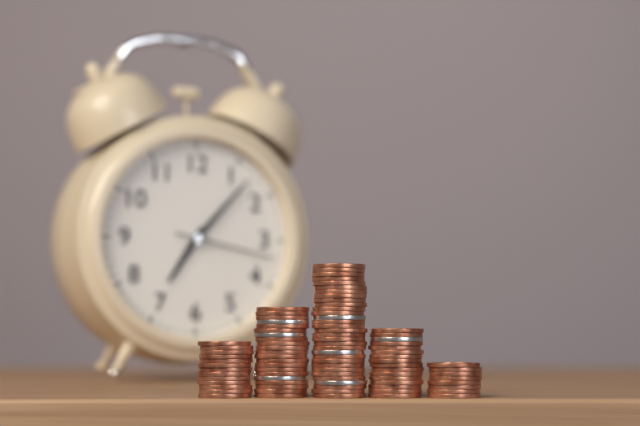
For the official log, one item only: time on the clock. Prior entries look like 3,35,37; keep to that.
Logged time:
7,07,17
